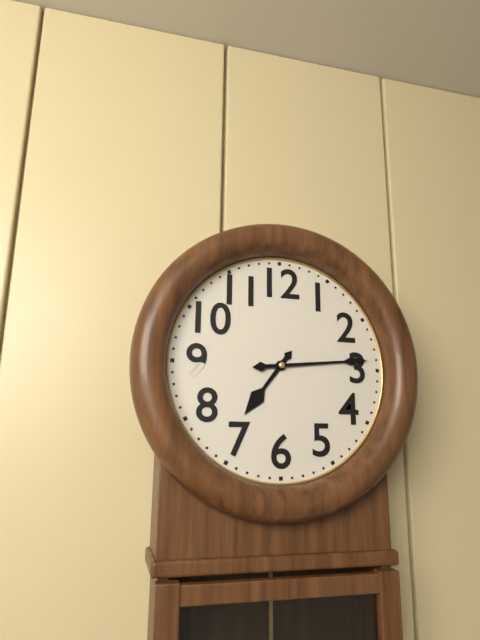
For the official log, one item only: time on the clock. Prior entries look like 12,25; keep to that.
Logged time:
7,14
